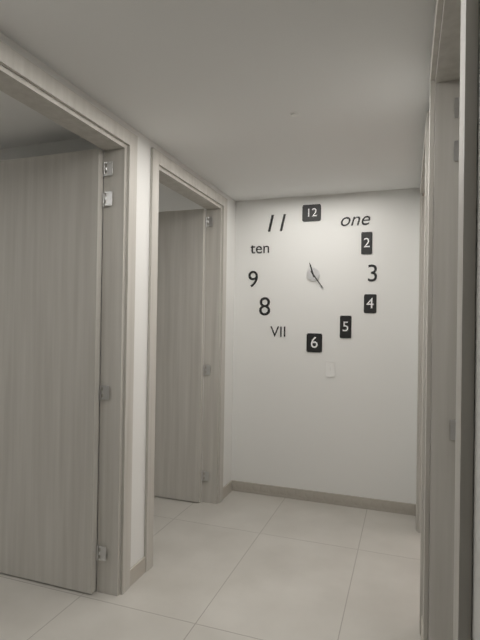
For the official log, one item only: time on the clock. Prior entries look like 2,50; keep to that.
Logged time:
11,24
